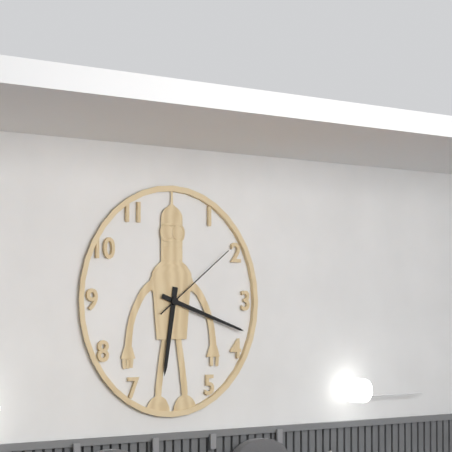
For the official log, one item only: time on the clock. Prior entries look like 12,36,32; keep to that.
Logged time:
6,18,09
